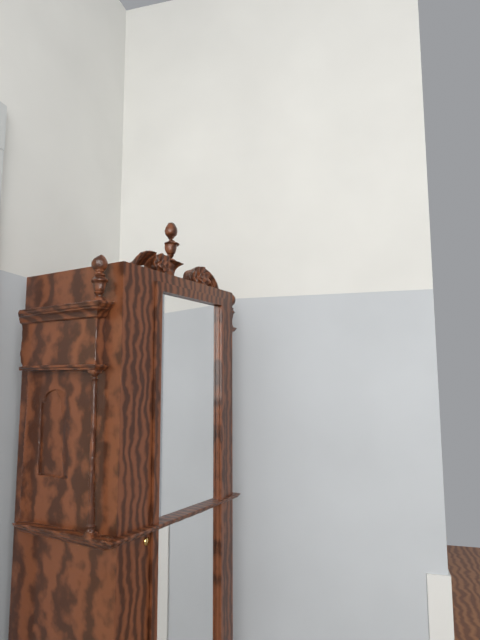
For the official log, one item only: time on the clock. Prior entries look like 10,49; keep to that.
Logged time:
3,33
